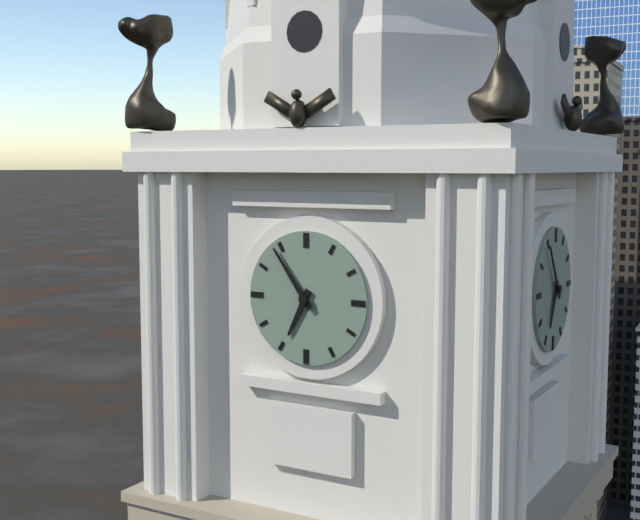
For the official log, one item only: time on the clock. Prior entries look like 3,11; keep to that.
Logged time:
6,54
